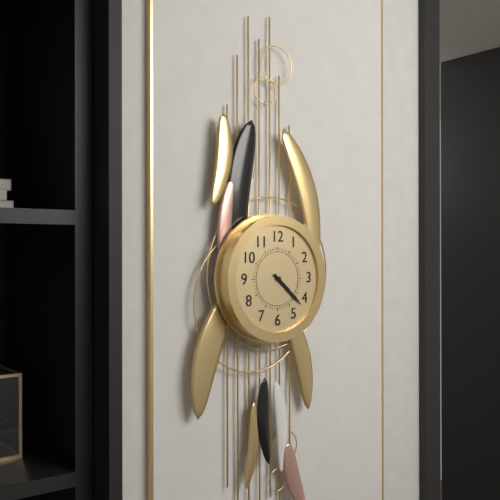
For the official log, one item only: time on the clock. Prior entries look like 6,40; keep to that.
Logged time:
4,22
